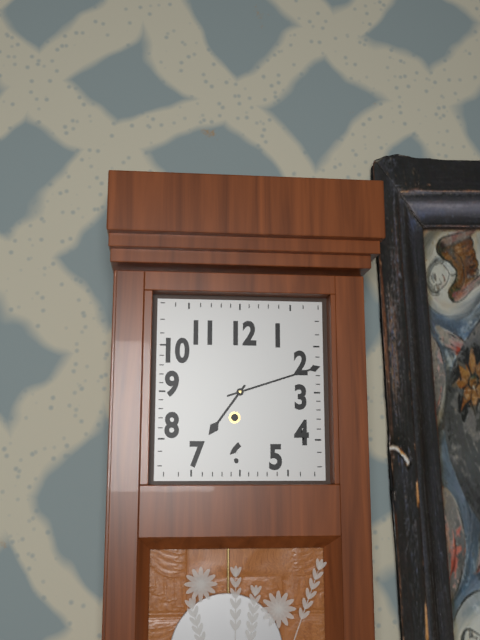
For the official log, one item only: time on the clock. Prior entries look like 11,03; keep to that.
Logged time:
7,12
